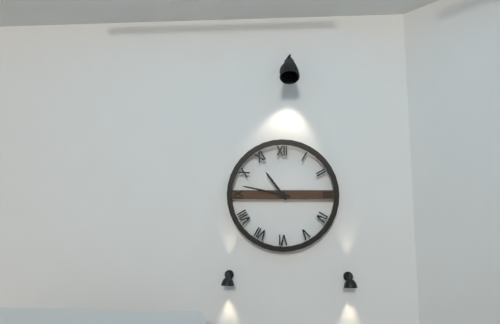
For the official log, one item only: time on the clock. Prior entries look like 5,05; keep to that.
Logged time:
10,47
